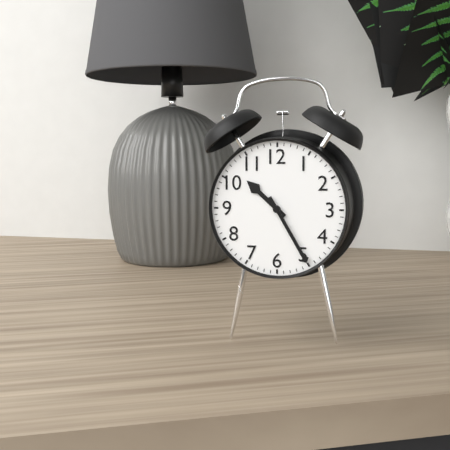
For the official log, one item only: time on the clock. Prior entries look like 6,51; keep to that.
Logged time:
10,25
